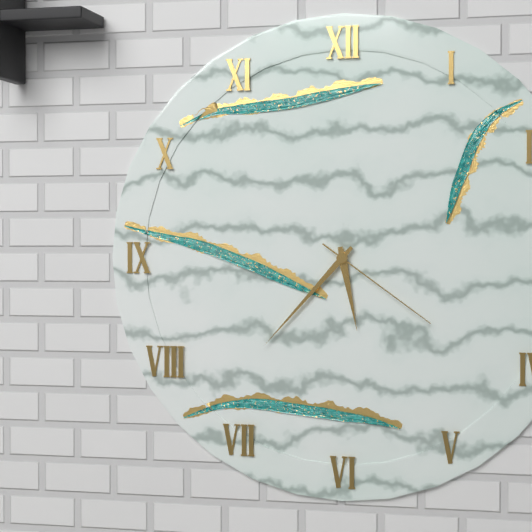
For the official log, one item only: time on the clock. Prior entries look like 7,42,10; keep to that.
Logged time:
5,37,21
